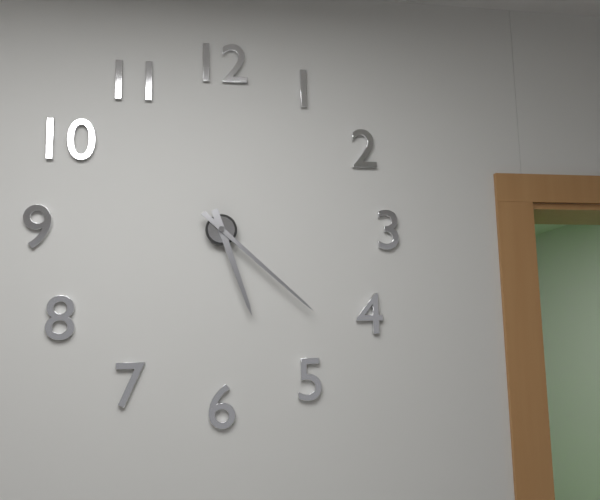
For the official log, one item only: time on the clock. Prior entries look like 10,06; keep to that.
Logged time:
5,22
